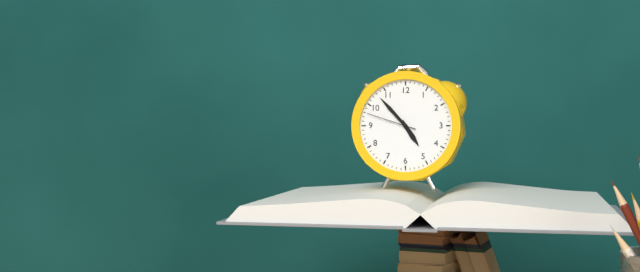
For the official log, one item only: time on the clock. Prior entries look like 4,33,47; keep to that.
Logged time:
4,53,48
